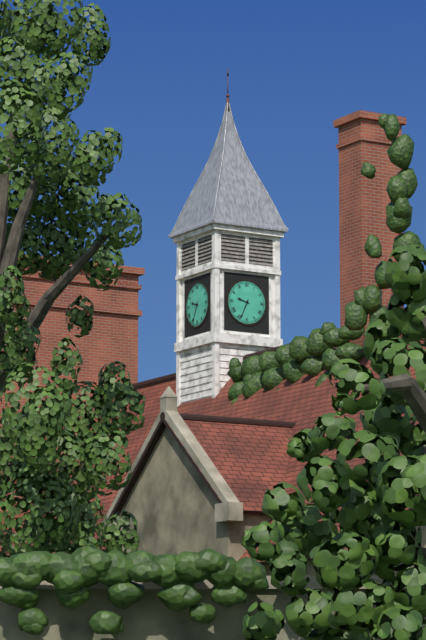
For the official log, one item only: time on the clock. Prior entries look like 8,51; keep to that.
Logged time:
9,34
